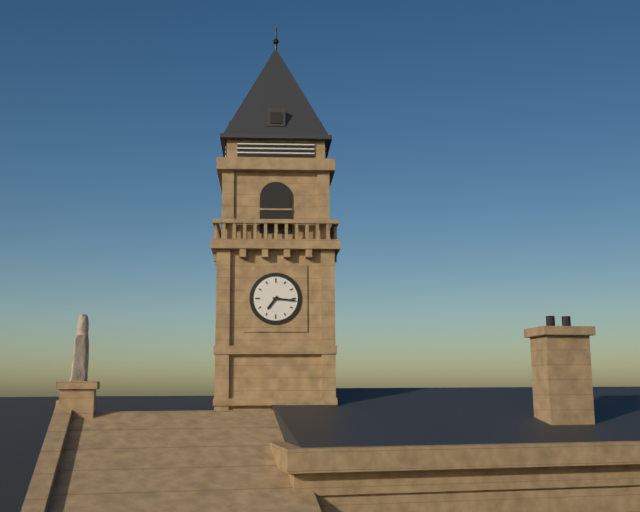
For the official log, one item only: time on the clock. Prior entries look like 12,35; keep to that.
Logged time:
7,16
